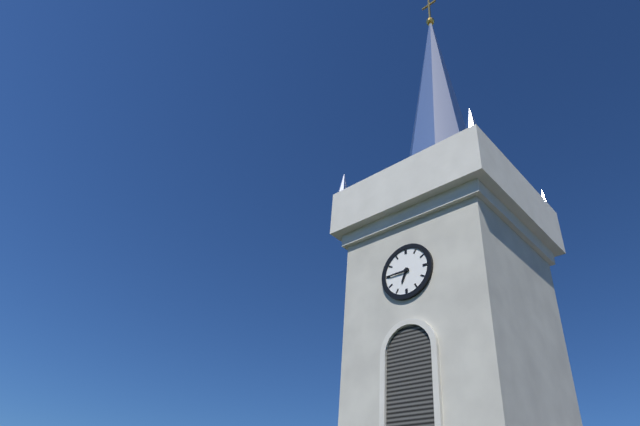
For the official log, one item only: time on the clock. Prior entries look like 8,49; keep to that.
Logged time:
6,45
